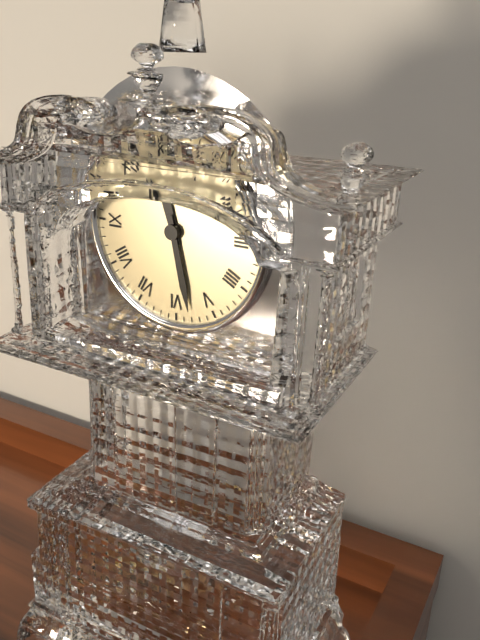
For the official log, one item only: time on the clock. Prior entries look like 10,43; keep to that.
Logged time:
11,28
